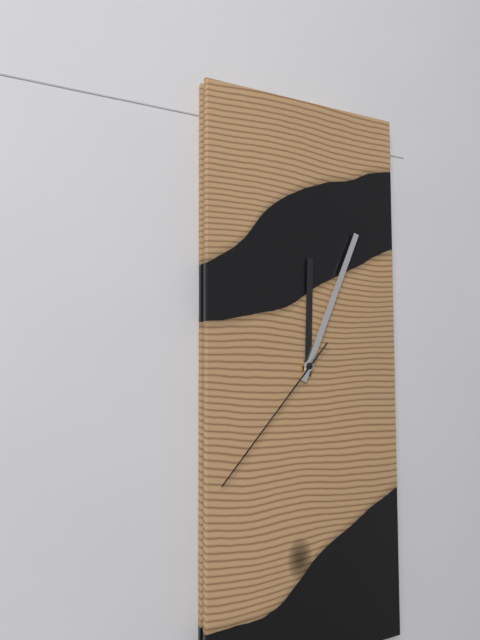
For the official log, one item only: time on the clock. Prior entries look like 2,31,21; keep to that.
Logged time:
12,04,37
